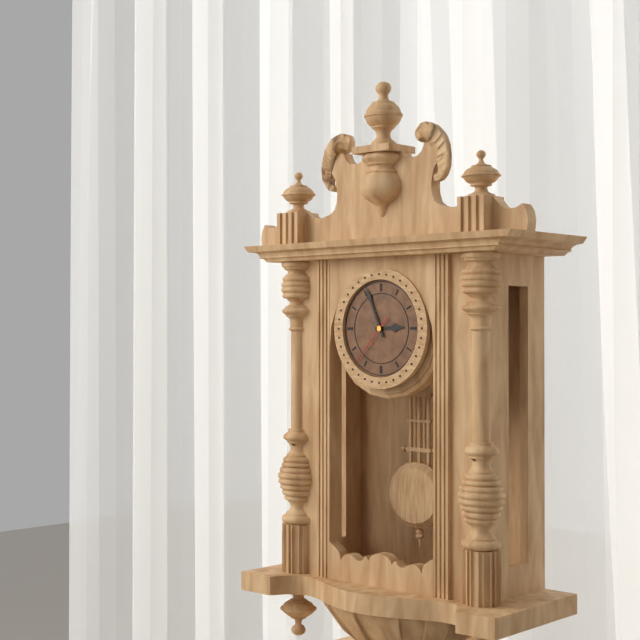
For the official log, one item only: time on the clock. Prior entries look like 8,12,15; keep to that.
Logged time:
2,56,37
